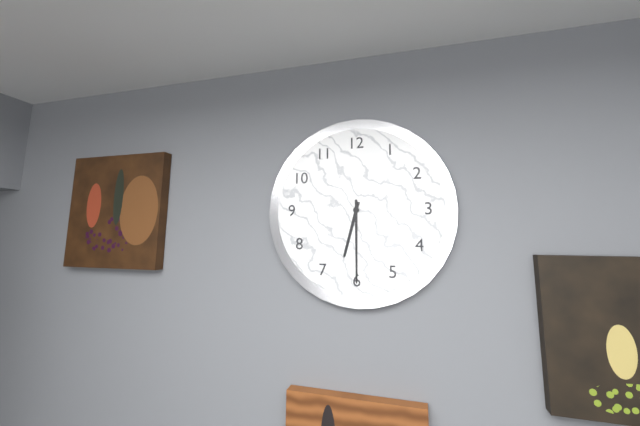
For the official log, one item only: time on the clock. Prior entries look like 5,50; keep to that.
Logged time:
6,30
